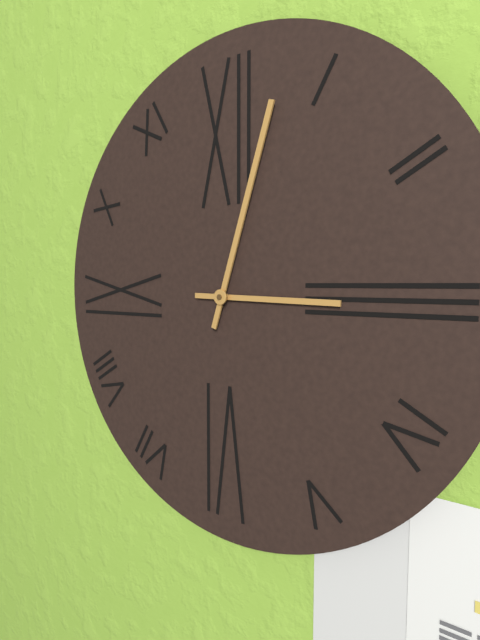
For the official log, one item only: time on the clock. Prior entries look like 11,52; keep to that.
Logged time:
3,03
